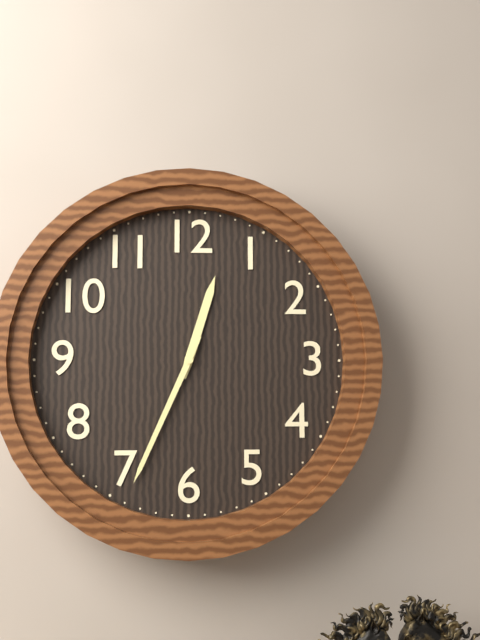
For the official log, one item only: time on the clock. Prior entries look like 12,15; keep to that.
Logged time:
12,34
